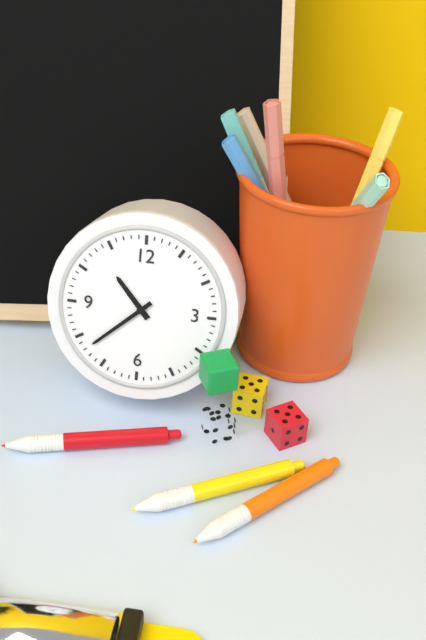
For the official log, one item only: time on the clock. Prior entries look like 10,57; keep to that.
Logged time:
10,38
